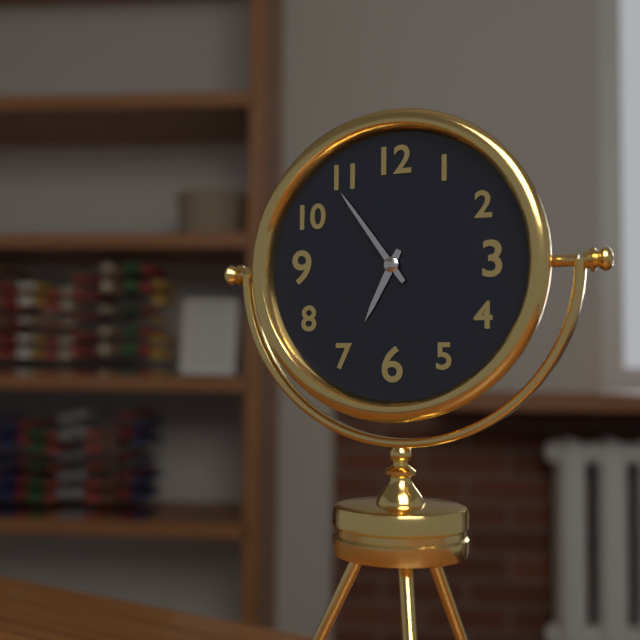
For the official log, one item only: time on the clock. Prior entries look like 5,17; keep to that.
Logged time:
6,54
